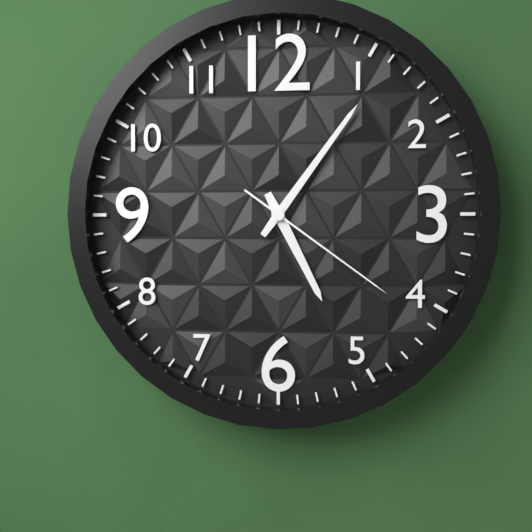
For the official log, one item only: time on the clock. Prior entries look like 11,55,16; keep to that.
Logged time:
5,06,21
